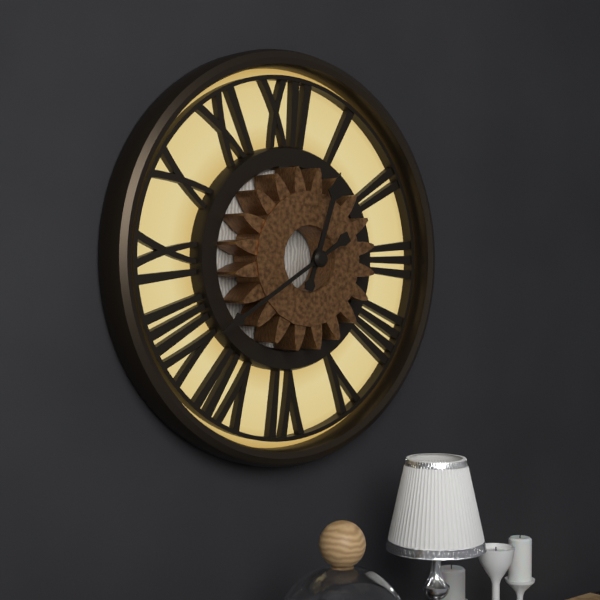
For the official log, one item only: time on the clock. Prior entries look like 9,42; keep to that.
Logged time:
12,40
